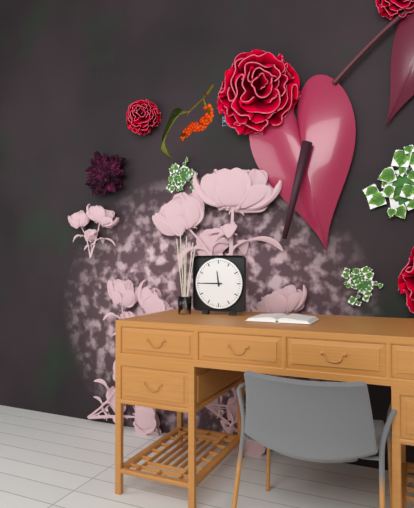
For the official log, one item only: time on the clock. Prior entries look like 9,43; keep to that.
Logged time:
11,45
